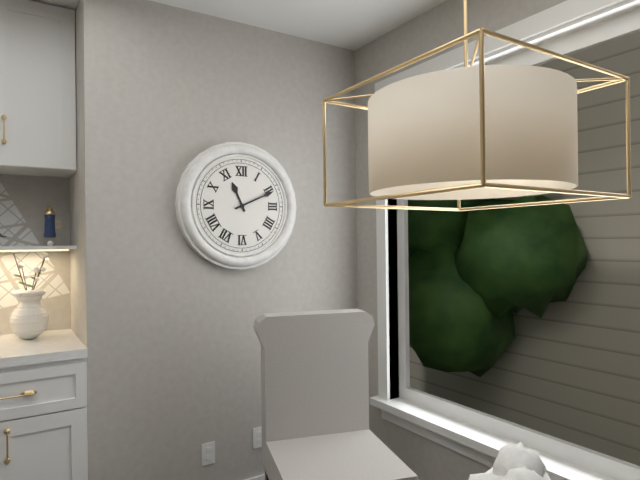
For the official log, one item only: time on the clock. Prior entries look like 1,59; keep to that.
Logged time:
11,11
